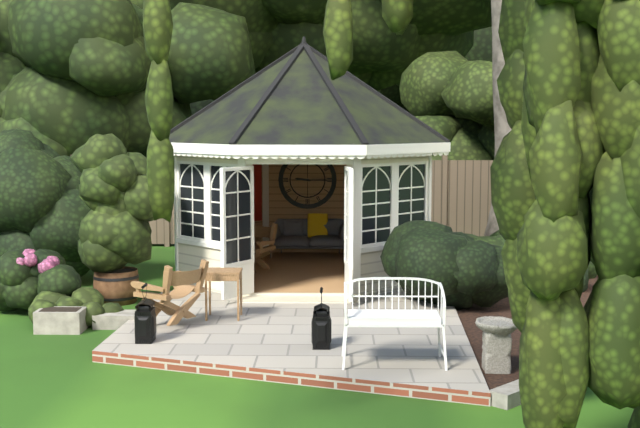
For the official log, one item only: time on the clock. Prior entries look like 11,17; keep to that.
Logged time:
9,15
